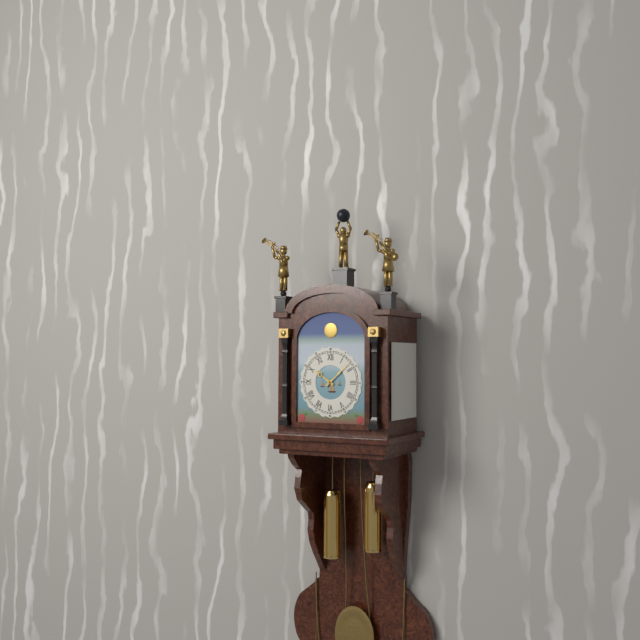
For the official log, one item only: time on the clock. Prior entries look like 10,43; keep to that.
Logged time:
10,08
